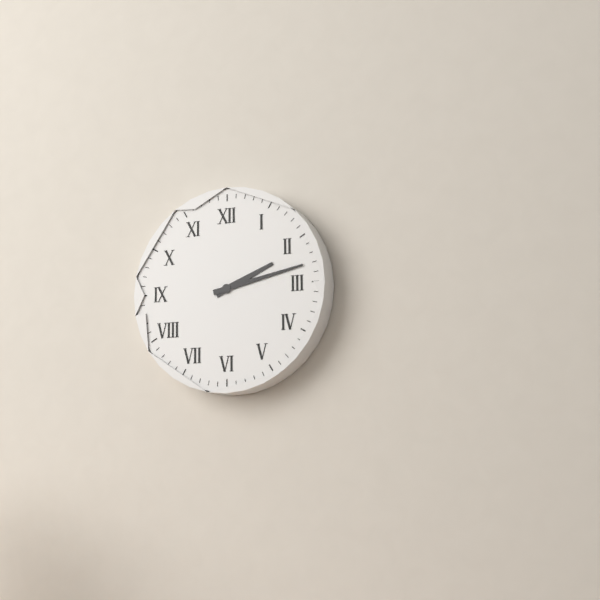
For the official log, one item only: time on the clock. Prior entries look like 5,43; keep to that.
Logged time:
2,13
